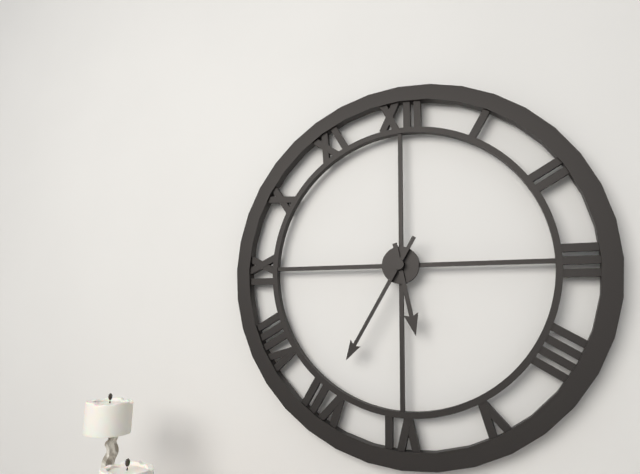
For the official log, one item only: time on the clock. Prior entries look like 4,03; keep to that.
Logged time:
5,35
